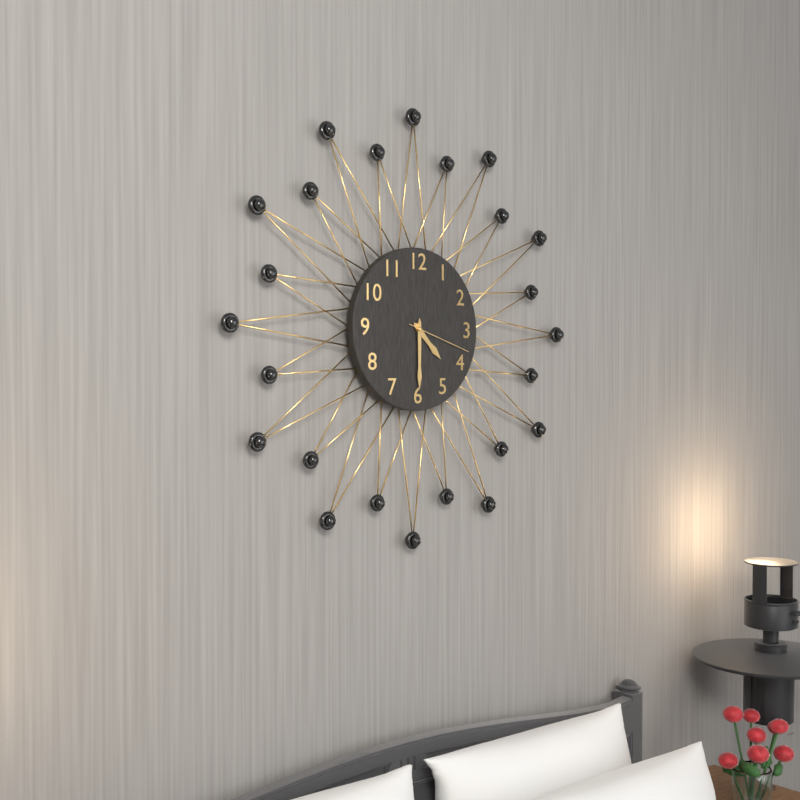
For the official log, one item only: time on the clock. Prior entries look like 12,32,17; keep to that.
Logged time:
4,30,18
